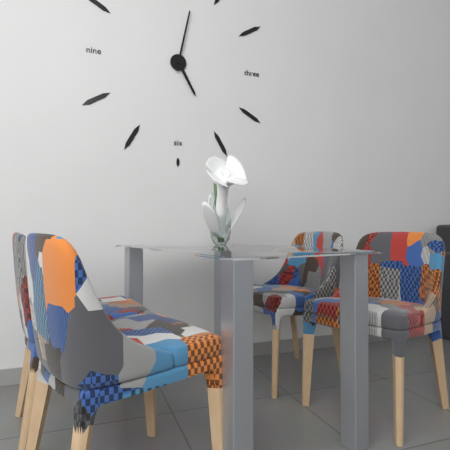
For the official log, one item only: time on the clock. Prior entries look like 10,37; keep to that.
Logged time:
5,02
